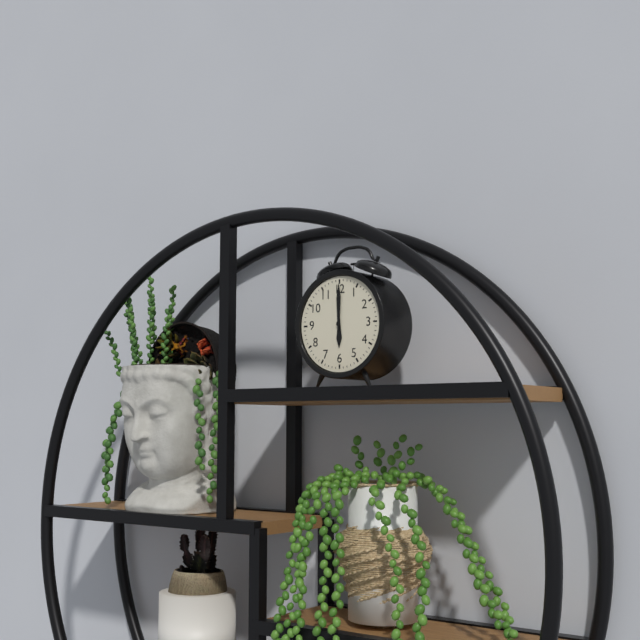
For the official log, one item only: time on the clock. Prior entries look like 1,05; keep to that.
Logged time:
6,00
